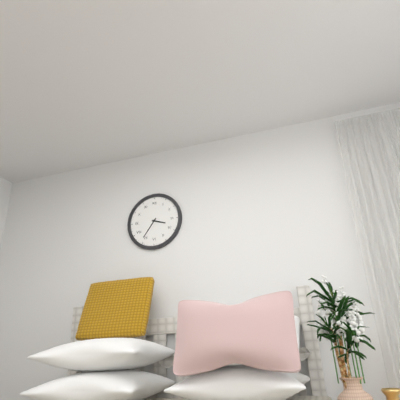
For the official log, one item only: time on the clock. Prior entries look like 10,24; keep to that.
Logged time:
3,36
